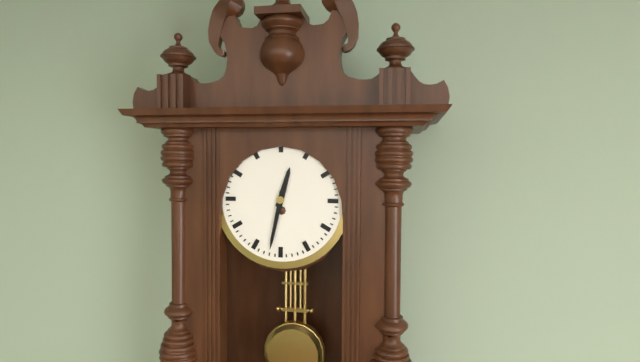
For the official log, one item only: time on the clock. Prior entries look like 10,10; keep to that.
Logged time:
12,32
